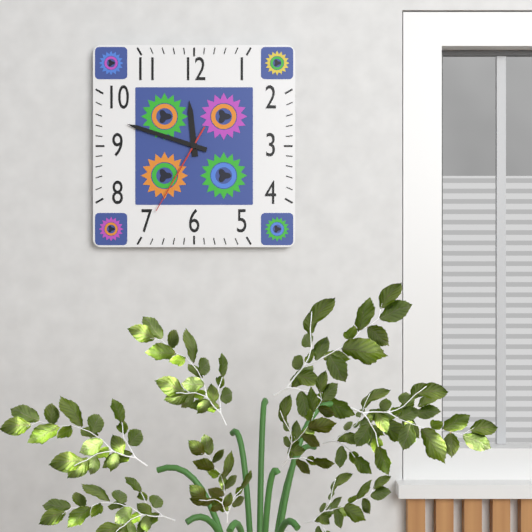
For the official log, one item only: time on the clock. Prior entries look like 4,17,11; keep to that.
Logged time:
11,48,35
